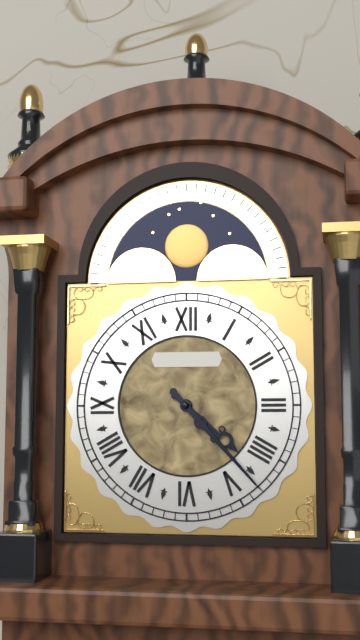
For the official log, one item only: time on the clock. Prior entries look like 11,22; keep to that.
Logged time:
4,23
